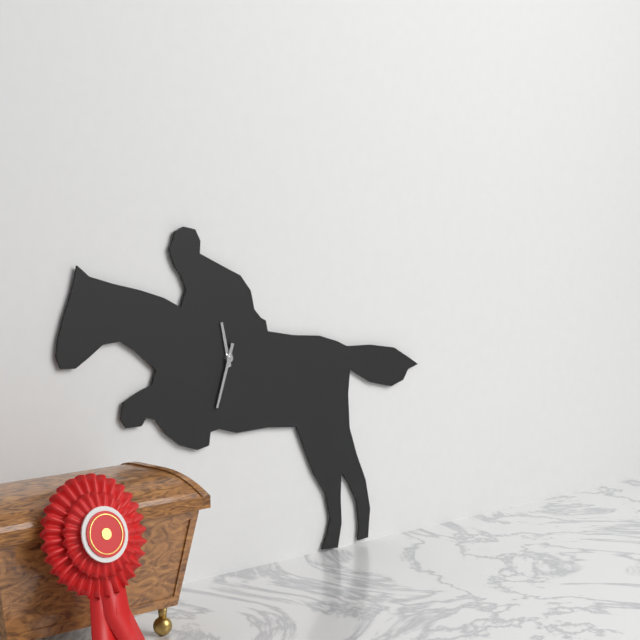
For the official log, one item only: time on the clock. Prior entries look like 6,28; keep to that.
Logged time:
11,33
